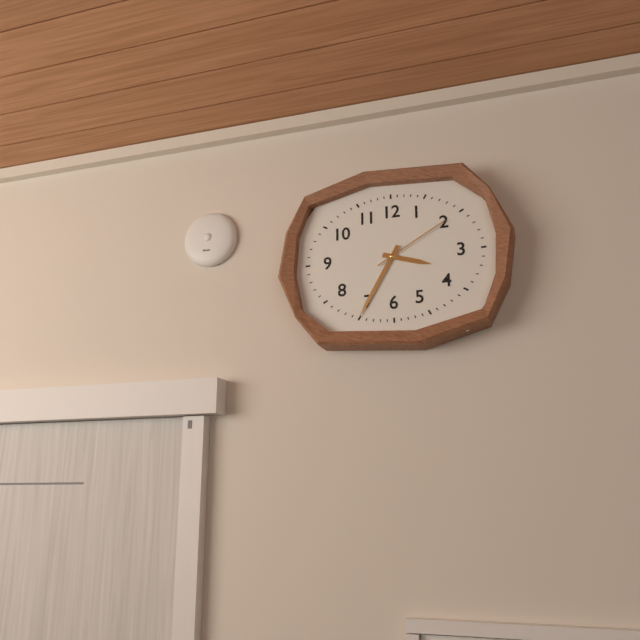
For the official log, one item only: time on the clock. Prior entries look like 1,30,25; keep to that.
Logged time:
3,35,10
